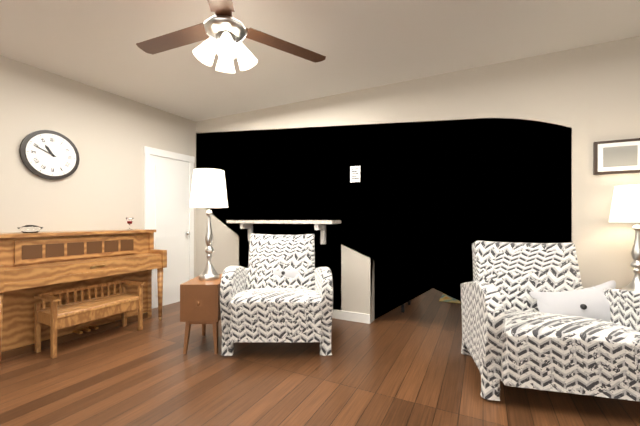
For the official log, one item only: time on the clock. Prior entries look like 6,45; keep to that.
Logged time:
10,49
